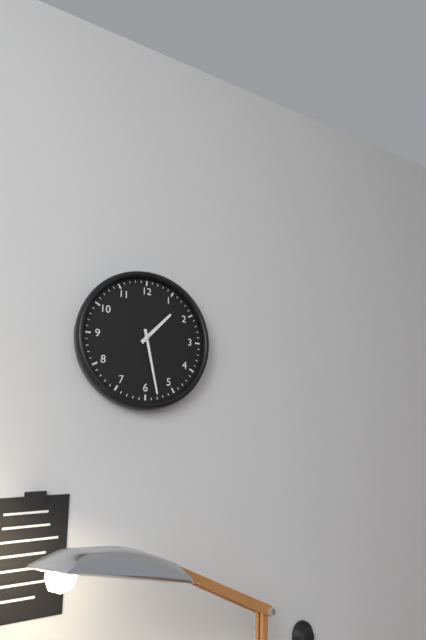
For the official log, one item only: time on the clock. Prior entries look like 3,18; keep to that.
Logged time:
1,28
